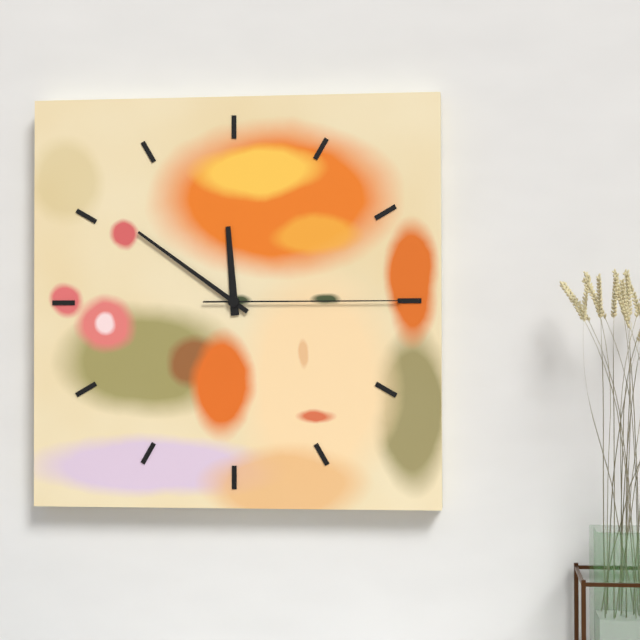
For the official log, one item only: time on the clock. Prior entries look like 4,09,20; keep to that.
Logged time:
11,51,15
